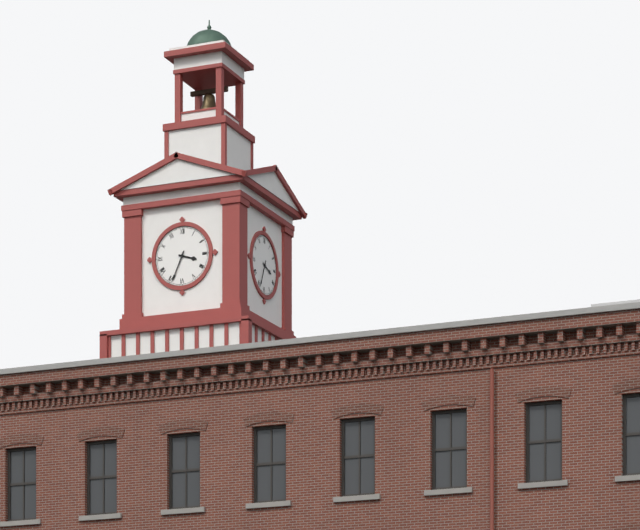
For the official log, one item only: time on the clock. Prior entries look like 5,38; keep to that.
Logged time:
3,34
